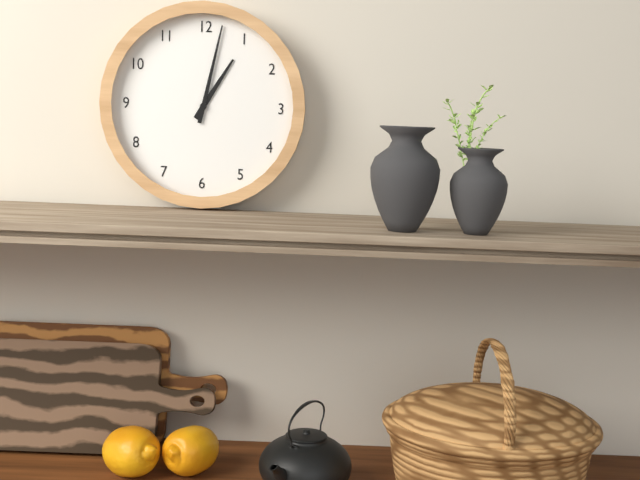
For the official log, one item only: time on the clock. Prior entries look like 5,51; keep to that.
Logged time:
1,02
